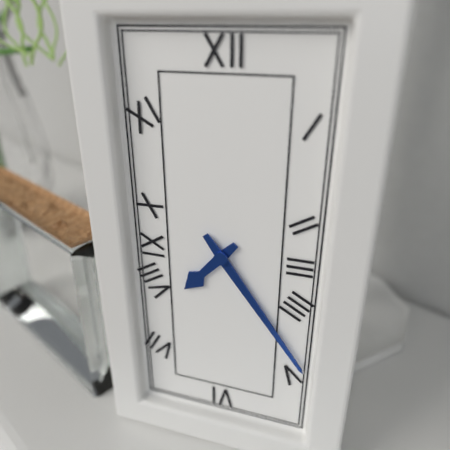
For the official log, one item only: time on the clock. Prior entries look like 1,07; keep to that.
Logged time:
7,24
